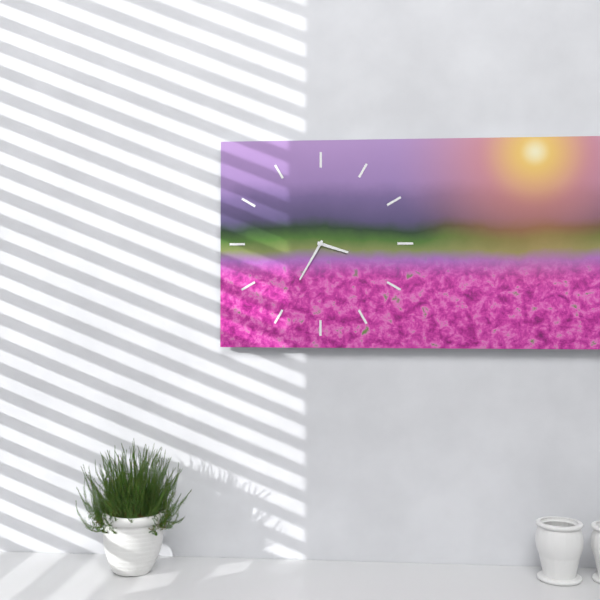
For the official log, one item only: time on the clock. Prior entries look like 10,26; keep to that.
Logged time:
3,35
